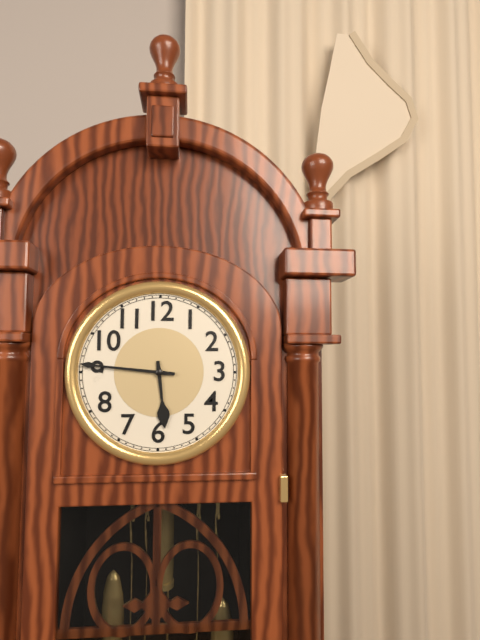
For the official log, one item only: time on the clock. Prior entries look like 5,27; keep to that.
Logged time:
5,46
